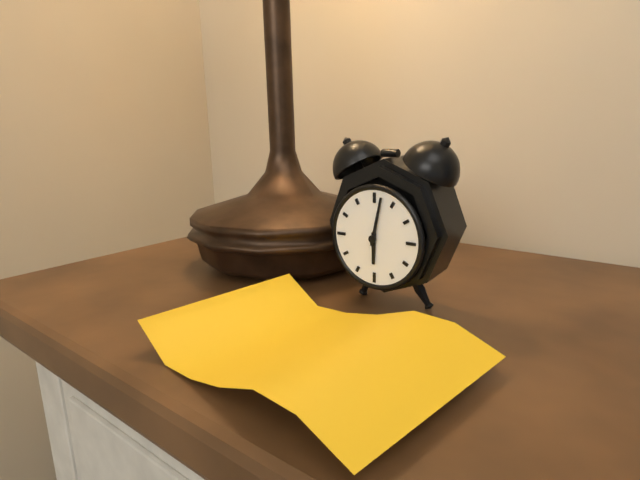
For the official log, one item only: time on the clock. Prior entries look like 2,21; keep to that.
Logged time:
6,02
